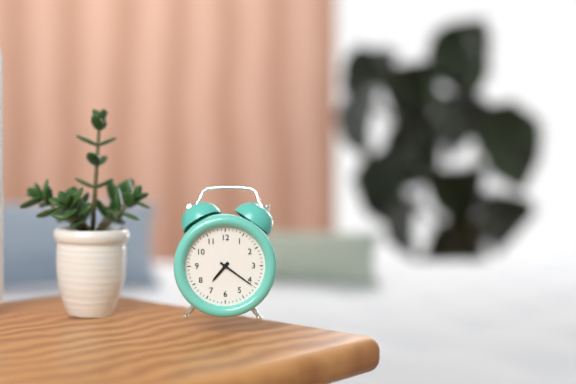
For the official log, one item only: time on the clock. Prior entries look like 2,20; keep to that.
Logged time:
7,21
